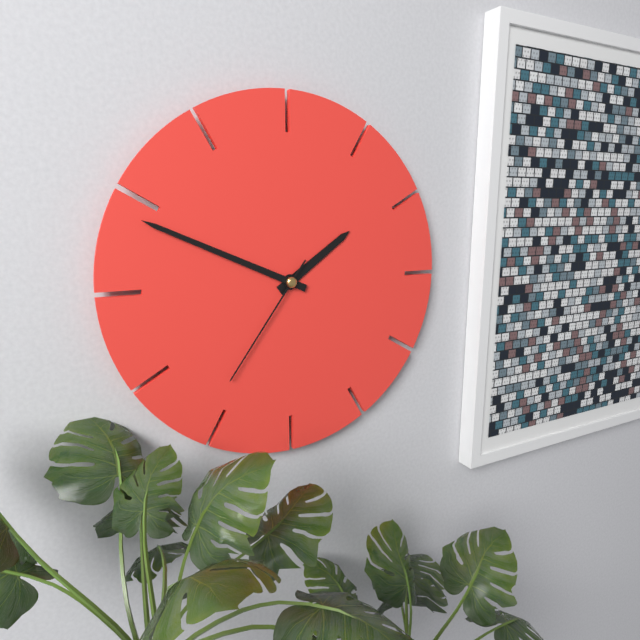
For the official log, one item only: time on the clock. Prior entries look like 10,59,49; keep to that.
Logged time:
1,49,36
